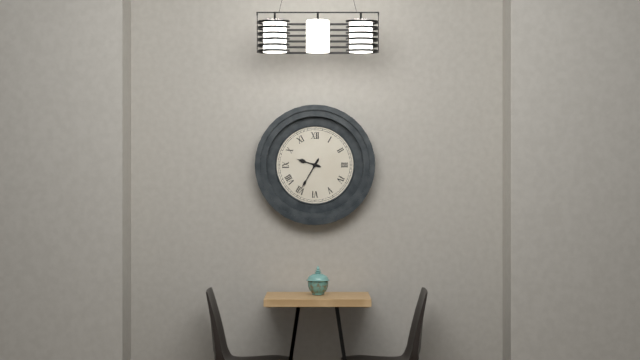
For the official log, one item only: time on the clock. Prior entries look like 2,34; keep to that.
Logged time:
9,35
